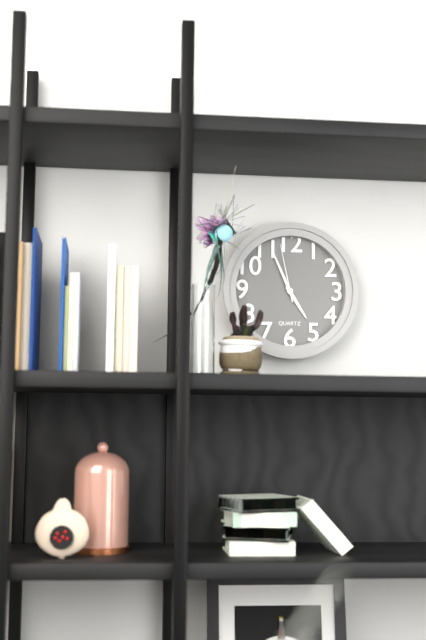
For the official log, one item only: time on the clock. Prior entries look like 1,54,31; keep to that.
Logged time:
4,56,58
